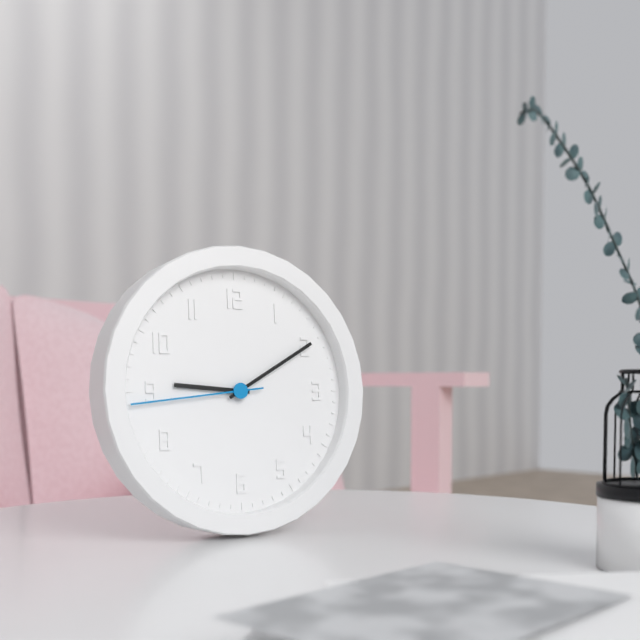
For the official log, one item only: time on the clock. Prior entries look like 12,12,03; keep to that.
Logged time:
9,10,44
